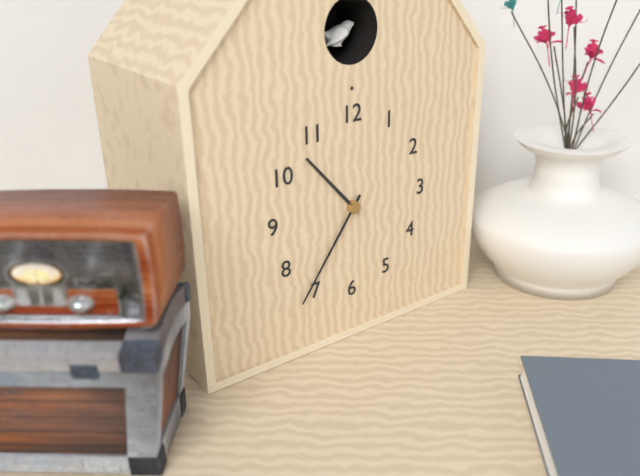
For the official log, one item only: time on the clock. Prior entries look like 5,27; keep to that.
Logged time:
10,36
